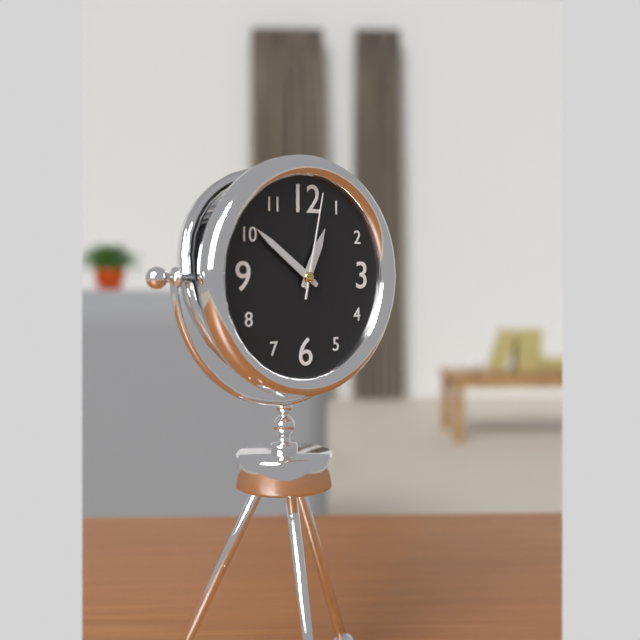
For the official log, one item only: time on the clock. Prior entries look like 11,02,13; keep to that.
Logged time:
12,51,02
